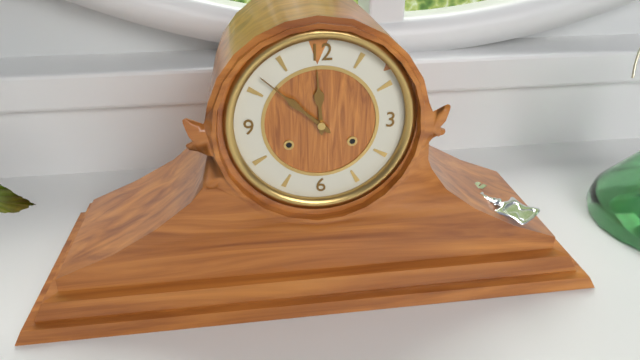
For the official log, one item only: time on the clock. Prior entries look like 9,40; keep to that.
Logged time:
11,52
